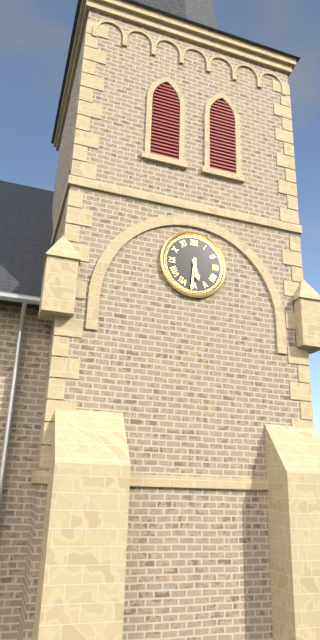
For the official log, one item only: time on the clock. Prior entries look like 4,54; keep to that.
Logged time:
5,31
